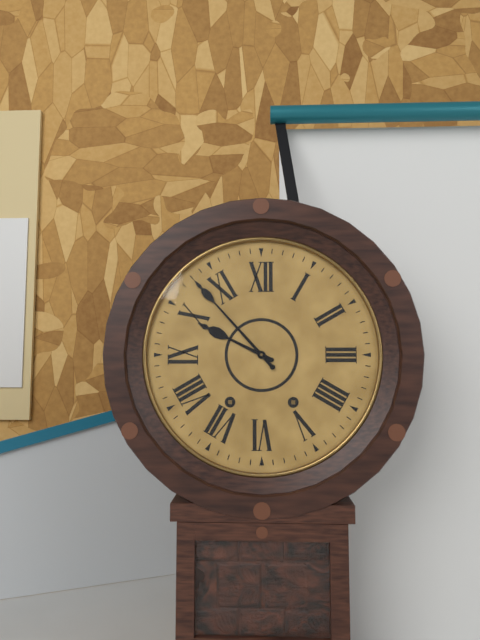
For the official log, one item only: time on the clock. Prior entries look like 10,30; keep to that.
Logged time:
9,53
